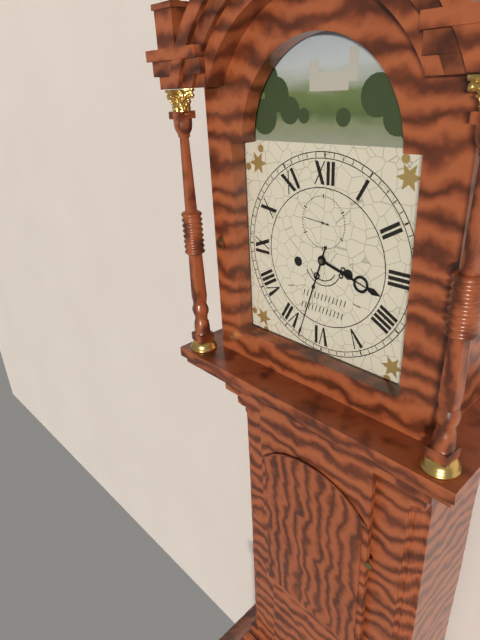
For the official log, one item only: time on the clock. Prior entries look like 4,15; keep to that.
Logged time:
3,33
